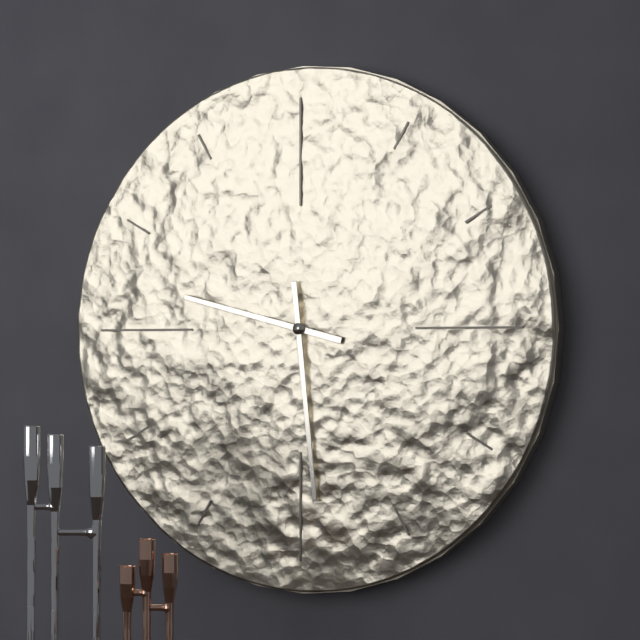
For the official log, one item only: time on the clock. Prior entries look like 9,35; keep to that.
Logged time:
9,29
